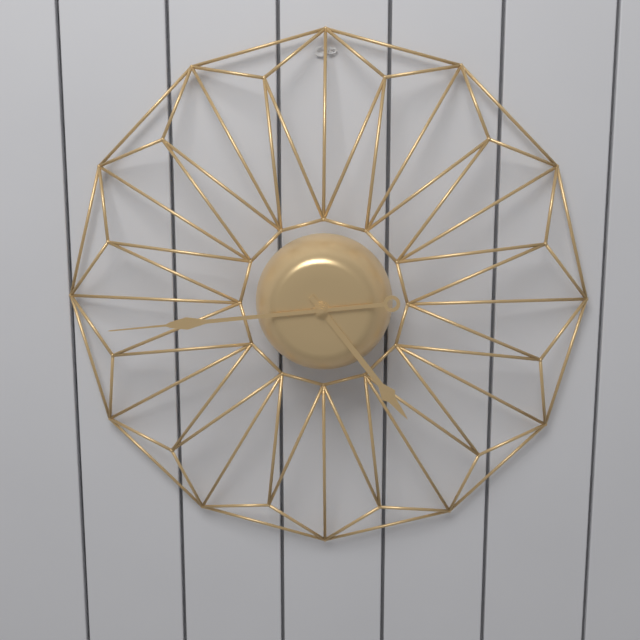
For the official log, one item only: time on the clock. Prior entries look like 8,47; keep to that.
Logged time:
4,44
